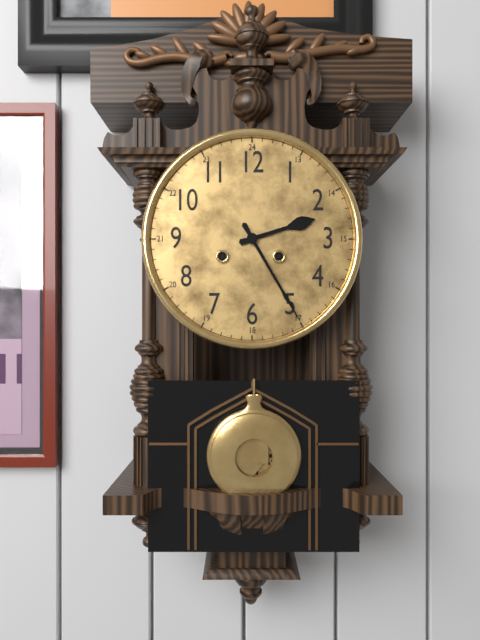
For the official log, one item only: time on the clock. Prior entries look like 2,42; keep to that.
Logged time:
2,25
